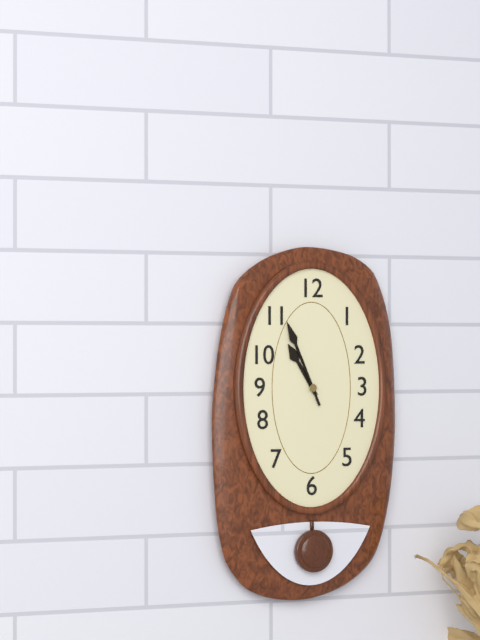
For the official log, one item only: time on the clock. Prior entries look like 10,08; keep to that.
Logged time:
10,56
